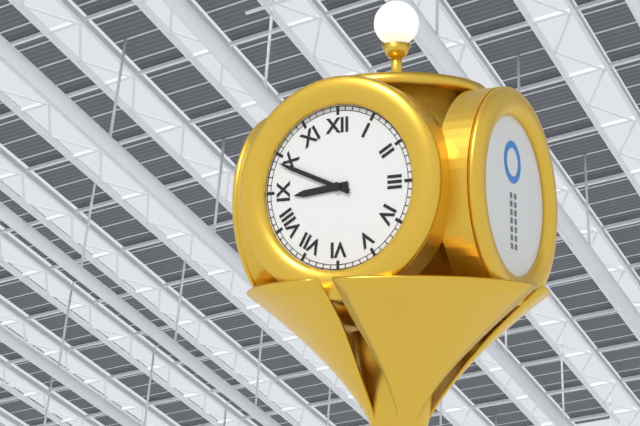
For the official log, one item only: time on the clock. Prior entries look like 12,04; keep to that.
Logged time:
8,49
